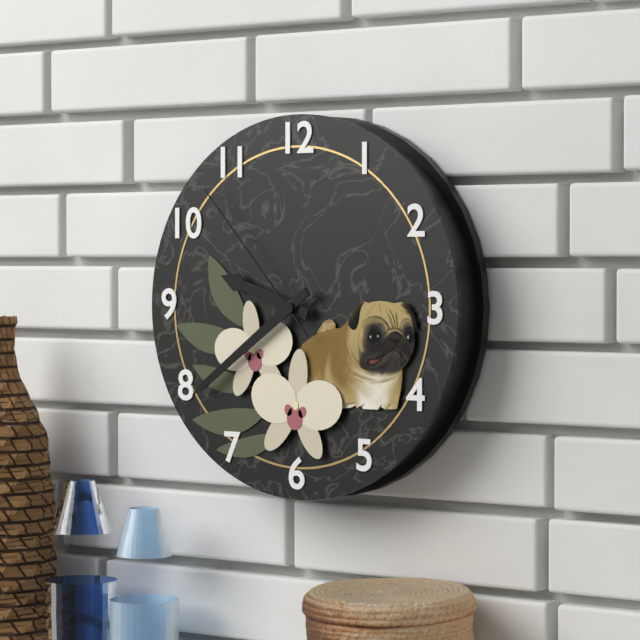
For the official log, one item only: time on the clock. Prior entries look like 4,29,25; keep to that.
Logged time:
9,39,53
